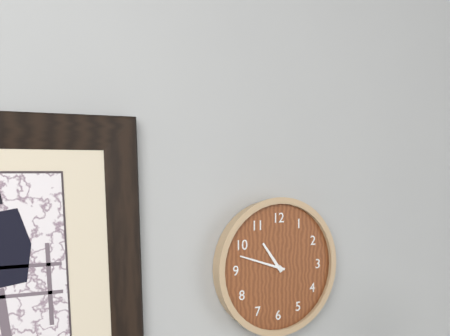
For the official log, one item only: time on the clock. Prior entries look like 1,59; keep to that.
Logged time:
10,48
